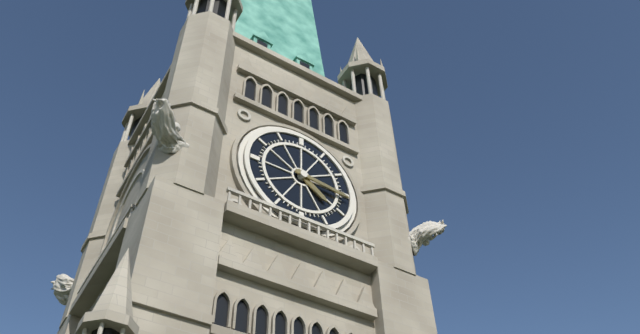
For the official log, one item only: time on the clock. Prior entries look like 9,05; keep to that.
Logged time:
4,16
